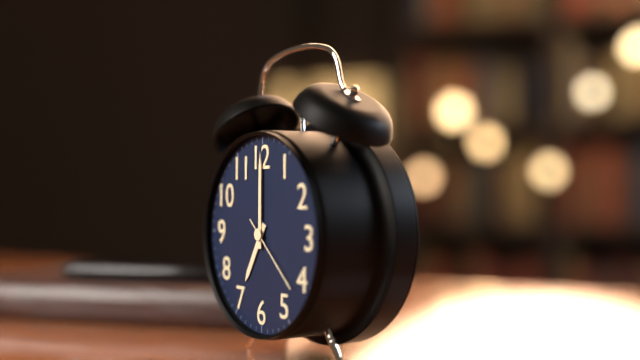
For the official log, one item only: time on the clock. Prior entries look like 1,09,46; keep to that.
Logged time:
7,00,22
